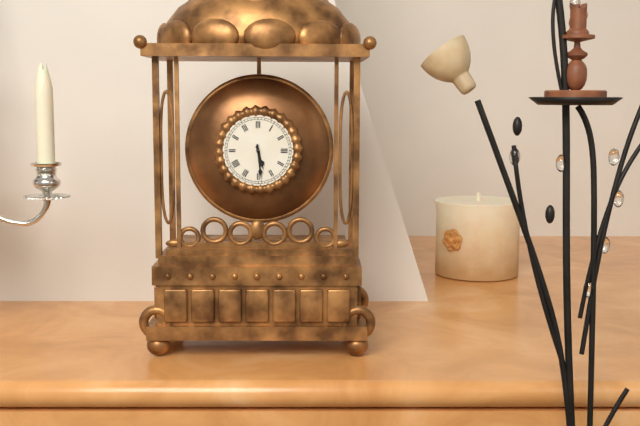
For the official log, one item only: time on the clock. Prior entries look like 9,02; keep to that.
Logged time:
5,29
